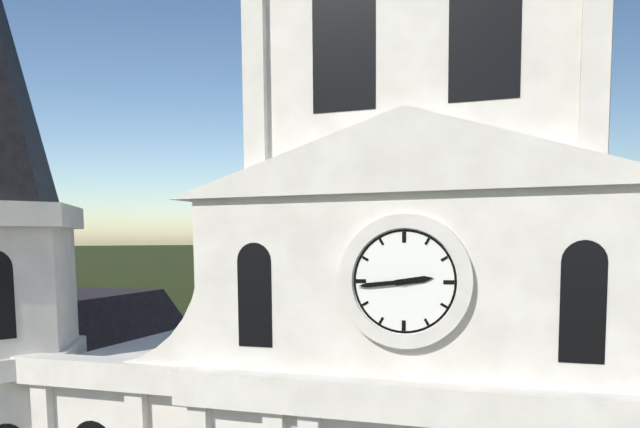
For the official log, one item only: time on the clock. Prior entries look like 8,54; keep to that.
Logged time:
2,44
